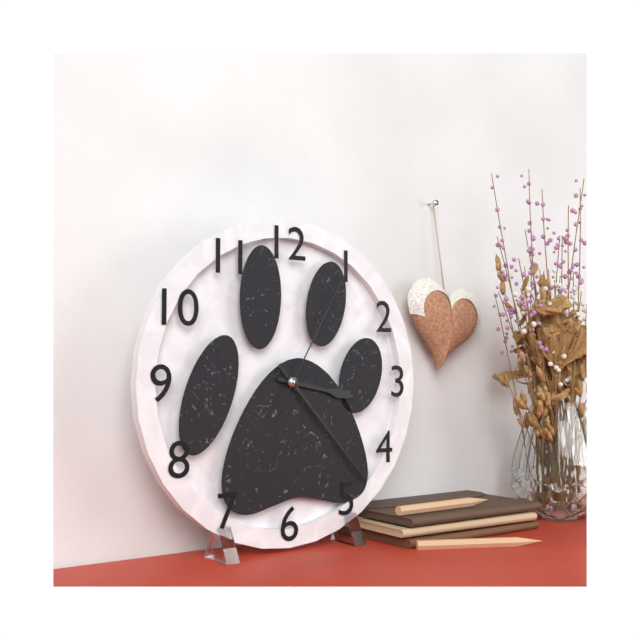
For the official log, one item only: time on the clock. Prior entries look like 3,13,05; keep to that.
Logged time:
3,23,05
